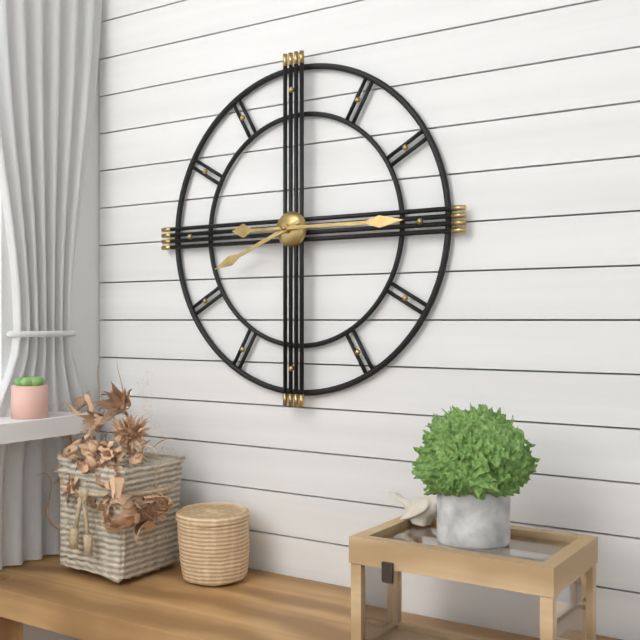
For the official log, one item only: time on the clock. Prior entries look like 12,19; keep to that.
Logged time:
8,15
